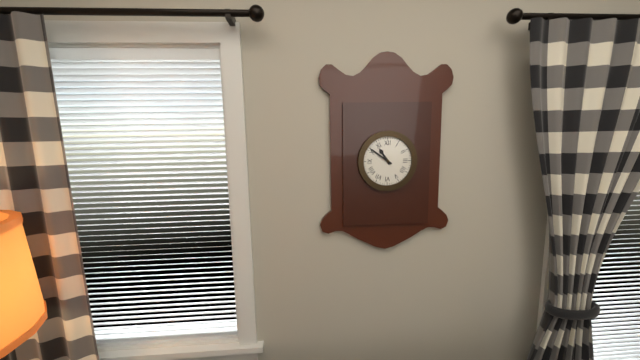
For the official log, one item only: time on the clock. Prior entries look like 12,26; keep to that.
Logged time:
10,51
